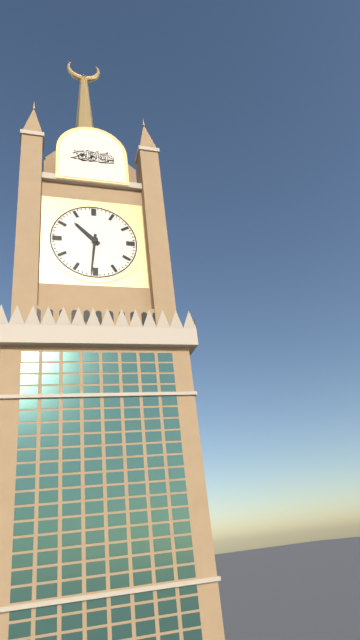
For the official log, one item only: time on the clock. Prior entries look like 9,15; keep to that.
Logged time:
10,31
